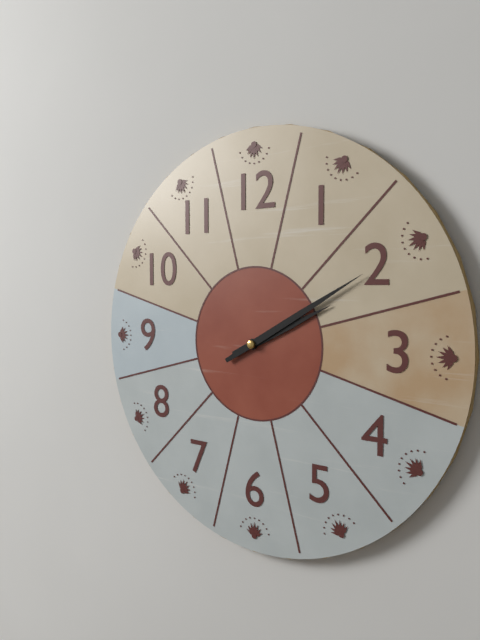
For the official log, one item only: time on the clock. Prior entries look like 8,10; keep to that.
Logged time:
2,10
